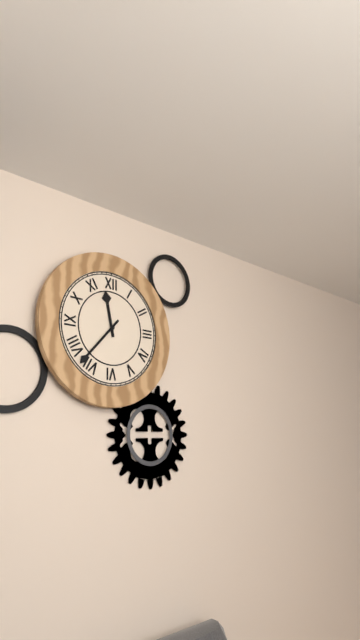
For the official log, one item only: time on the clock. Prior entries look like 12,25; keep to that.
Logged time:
11,37
